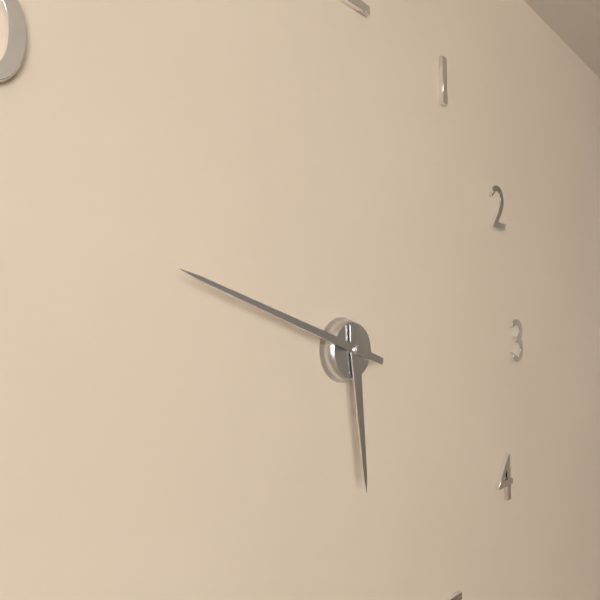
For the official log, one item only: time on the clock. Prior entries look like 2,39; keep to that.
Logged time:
5,48
